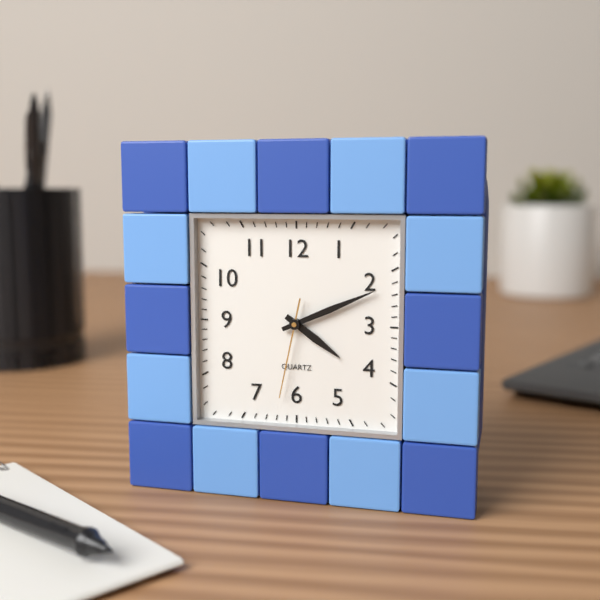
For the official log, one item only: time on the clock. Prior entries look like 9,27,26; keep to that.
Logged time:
4,11,32
